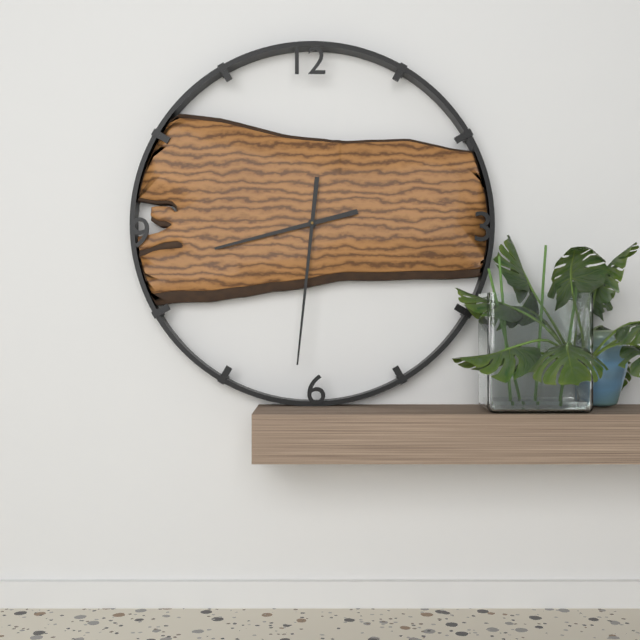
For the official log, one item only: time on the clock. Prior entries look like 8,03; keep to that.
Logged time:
8,31
